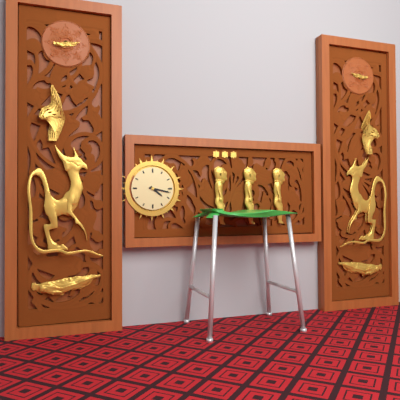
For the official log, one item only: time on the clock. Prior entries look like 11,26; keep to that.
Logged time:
4,17
